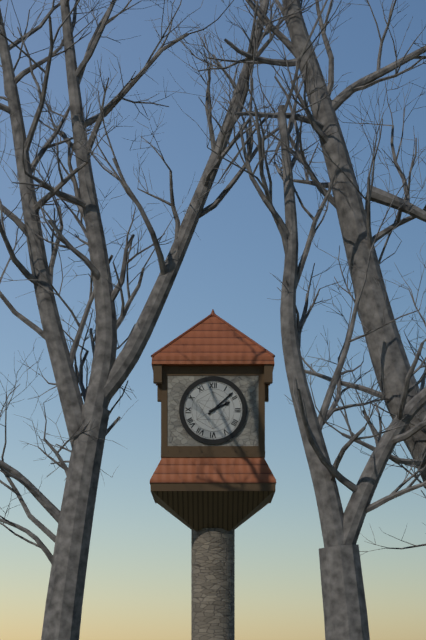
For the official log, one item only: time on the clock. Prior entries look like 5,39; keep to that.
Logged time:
2,08
